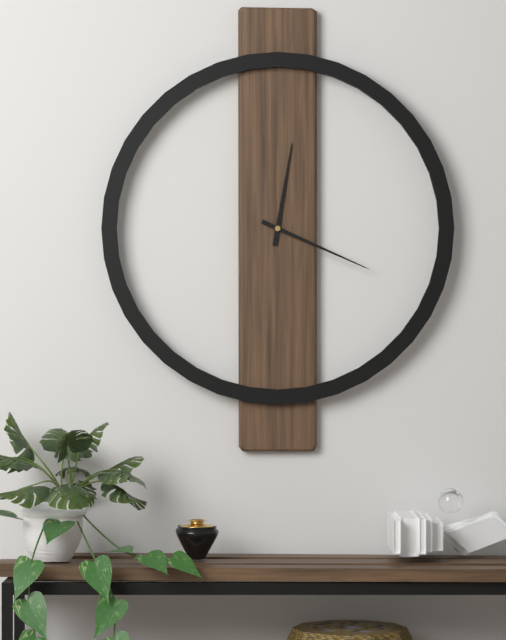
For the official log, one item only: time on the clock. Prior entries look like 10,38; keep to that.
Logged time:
12,19
